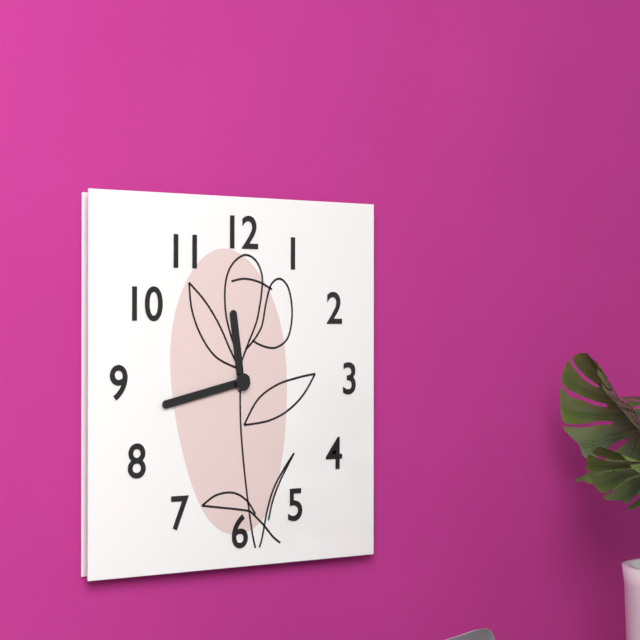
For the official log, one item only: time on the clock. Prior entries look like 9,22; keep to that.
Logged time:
11,43
